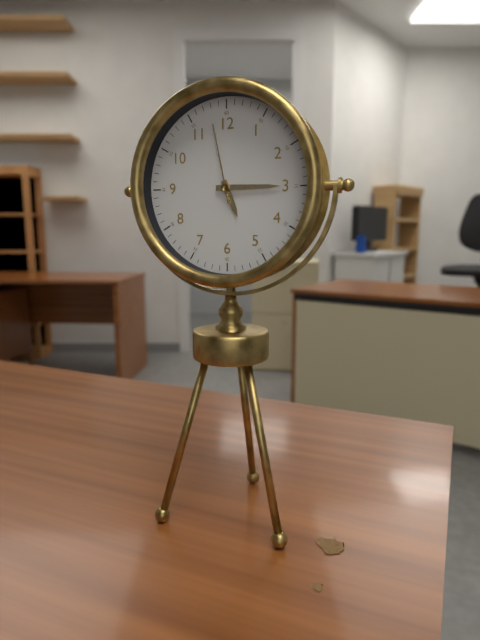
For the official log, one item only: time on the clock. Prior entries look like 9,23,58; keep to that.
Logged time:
5,15,58
